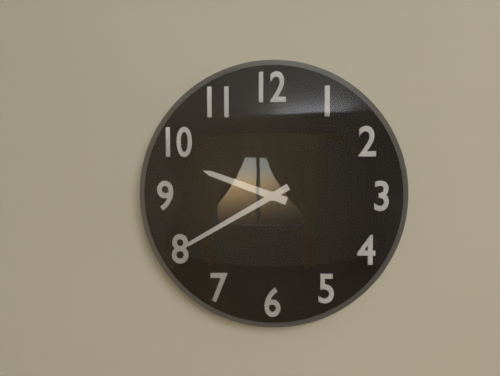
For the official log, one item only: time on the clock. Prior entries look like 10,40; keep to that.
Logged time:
9,40
